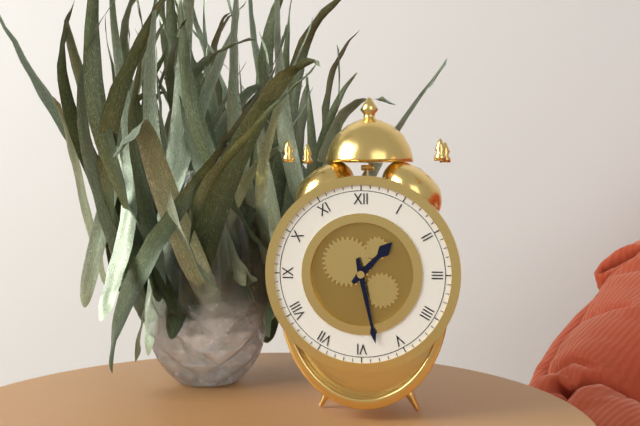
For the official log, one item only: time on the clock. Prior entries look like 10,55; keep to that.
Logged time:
1,28
